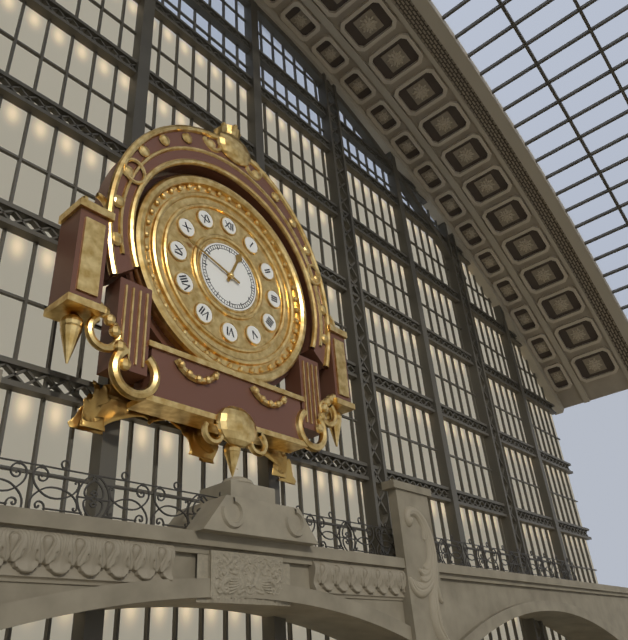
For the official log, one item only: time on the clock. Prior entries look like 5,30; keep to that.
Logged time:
12,48
